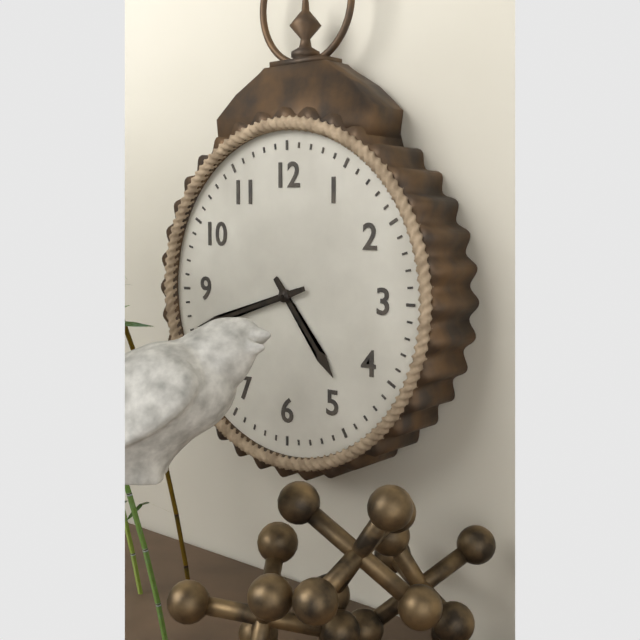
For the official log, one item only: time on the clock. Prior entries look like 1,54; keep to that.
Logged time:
4,42
